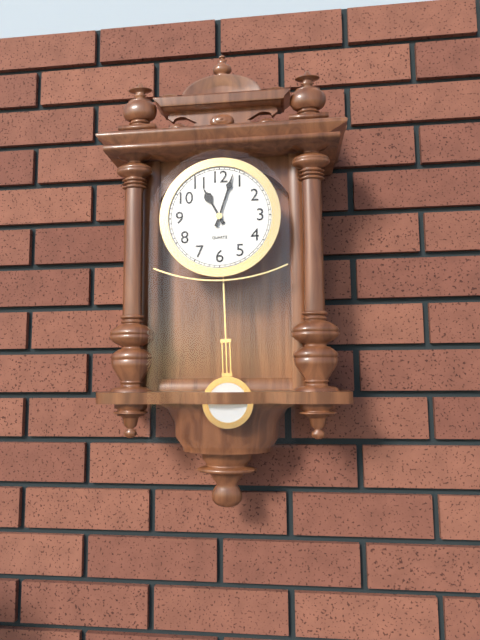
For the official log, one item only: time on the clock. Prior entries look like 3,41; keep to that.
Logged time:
11,03
